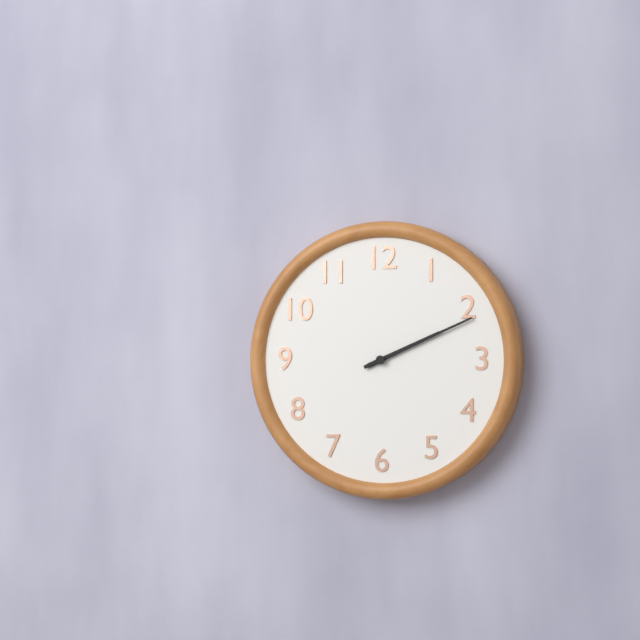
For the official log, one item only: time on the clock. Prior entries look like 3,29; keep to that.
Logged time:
2,11
